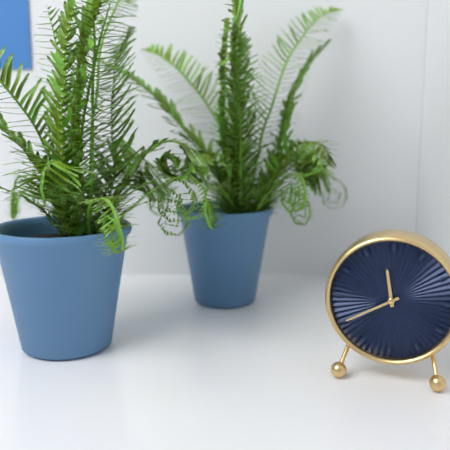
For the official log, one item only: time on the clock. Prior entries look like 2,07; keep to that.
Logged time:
11,40
